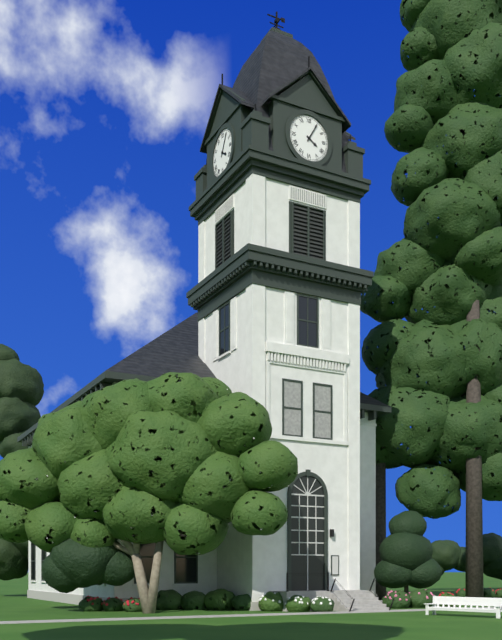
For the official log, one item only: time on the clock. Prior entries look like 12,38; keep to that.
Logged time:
4,05
